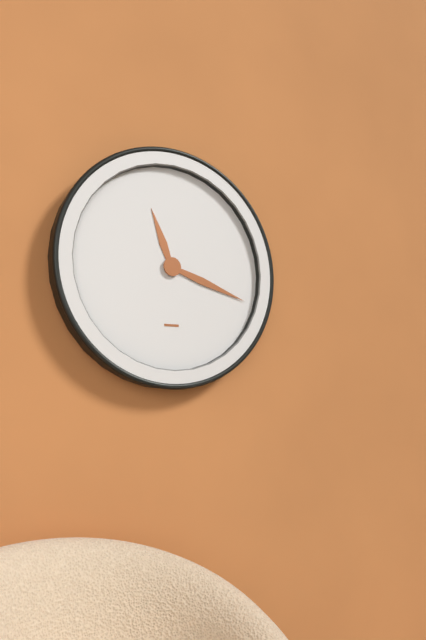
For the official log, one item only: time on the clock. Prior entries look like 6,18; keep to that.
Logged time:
11,18
